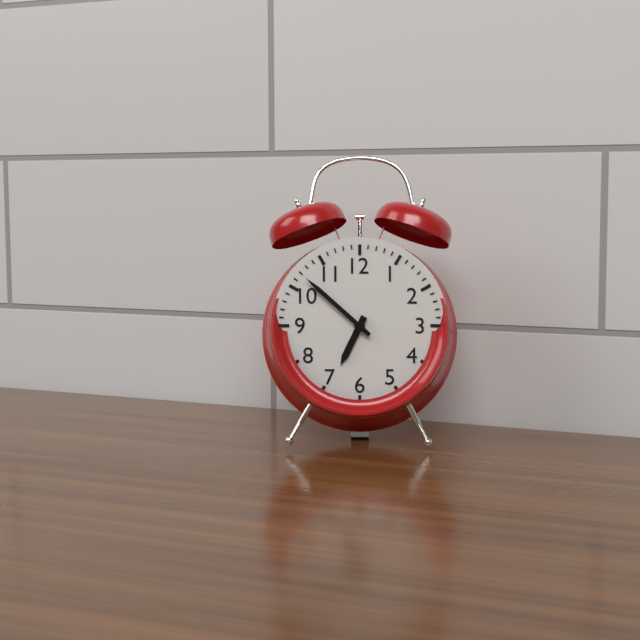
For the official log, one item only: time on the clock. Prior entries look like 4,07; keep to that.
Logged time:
6,52
